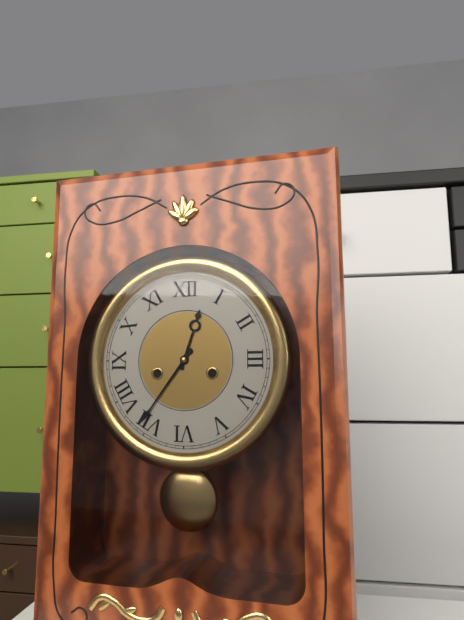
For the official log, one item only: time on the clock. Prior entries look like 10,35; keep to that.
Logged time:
12,36
